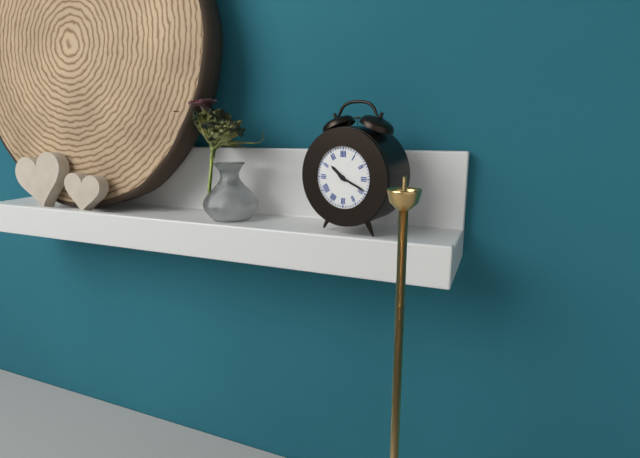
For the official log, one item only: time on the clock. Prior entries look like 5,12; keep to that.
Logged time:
10,19
